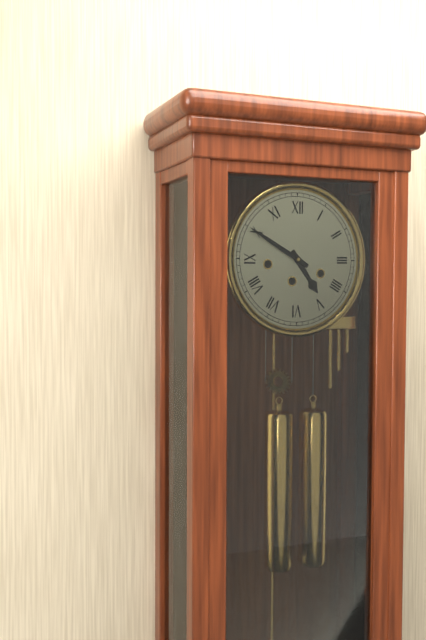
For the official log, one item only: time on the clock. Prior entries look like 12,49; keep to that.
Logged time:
4,50
